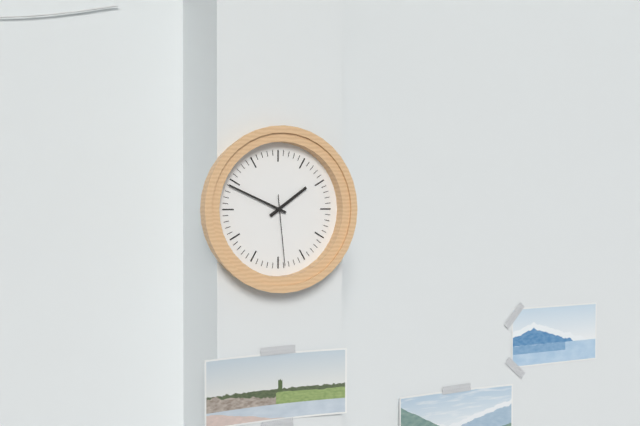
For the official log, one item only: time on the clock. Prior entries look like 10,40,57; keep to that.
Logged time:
1,49,29
